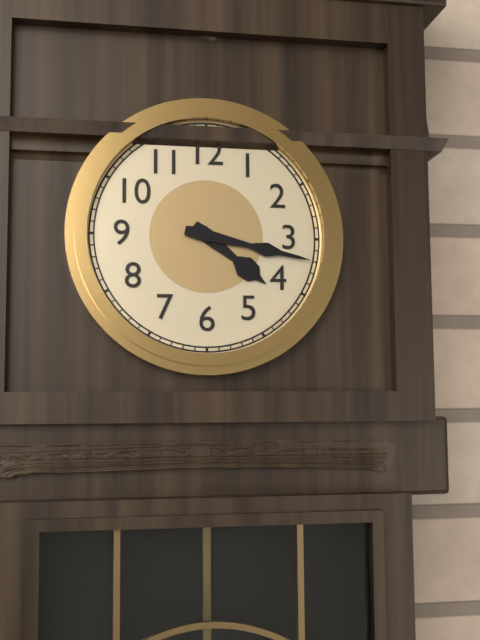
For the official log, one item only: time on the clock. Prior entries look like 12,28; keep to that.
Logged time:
4,17
